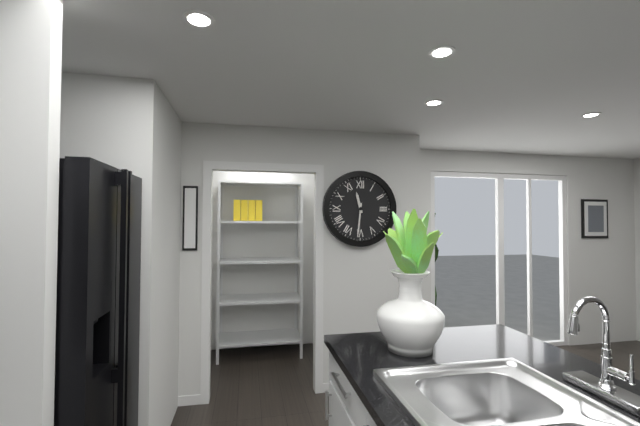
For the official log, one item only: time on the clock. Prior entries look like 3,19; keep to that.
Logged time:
11,31
